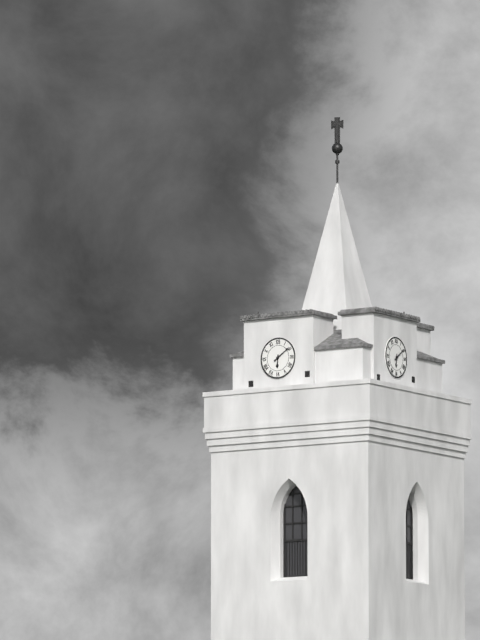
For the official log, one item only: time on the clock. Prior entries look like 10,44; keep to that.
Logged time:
6,09
